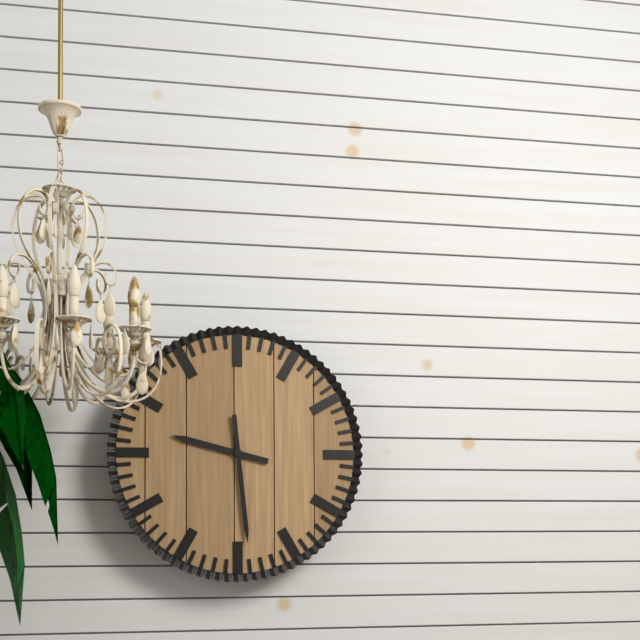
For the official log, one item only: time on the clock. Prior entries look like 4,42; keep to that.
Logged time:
9,29
